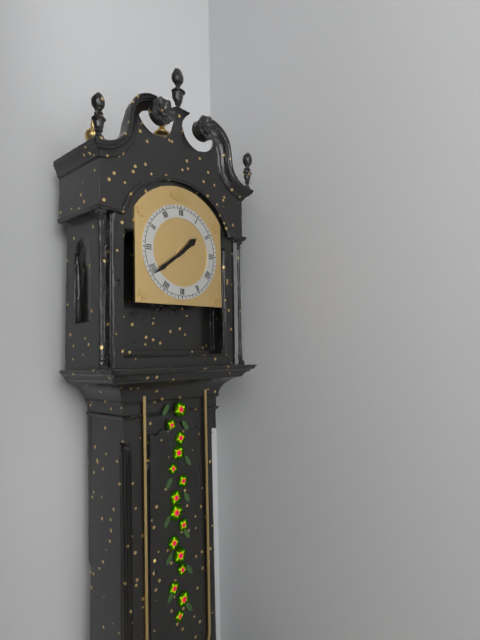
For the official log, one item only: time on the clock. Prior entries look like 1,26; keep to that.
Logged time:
1,39
